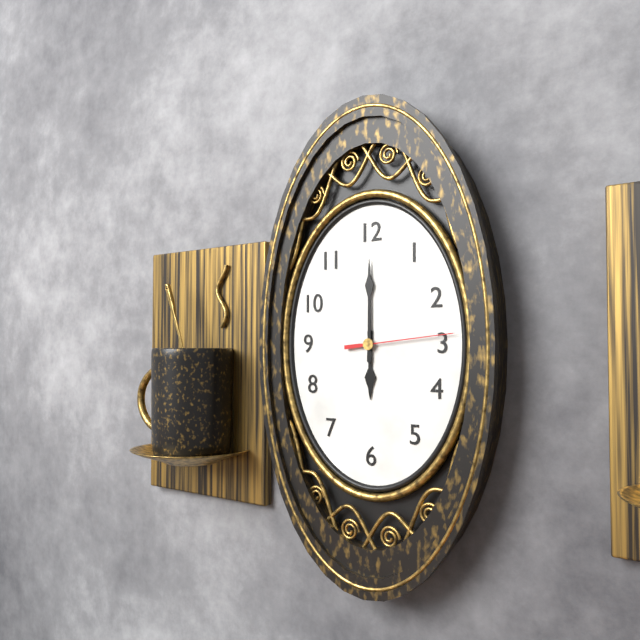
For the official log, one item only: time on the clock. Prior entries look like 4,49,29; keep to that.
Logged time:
6,00,14
